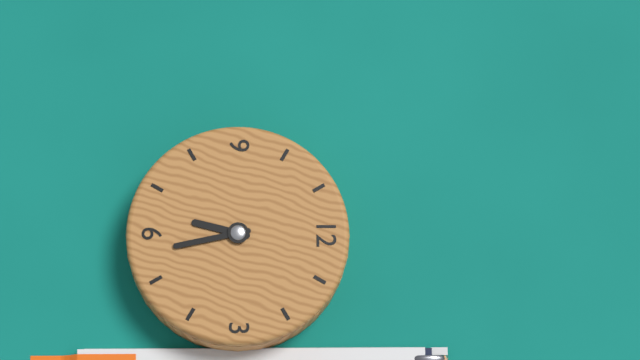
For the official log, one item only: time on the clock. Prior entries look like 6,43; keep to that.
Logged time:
6,28
